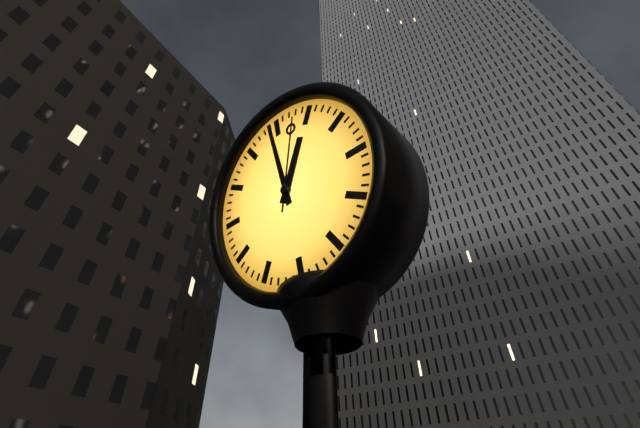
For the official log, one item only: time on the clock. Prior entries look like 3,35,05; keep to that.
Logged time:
12,59,03
